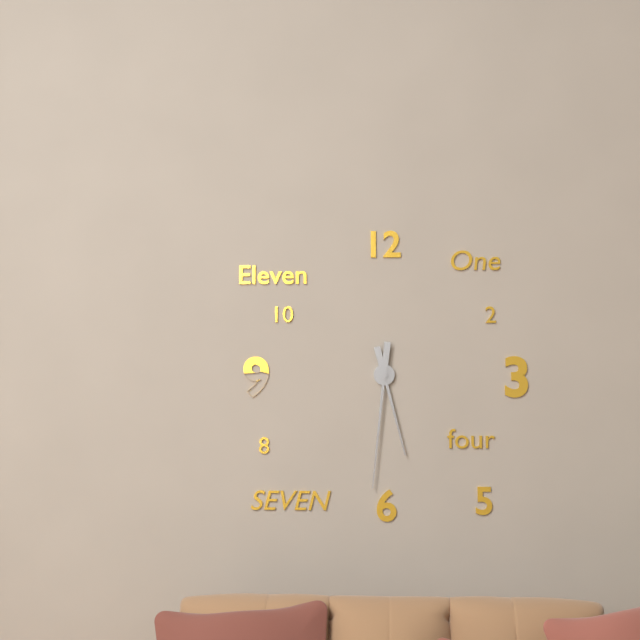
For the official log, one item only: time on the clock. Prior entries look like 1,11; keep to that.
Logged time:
5,31
